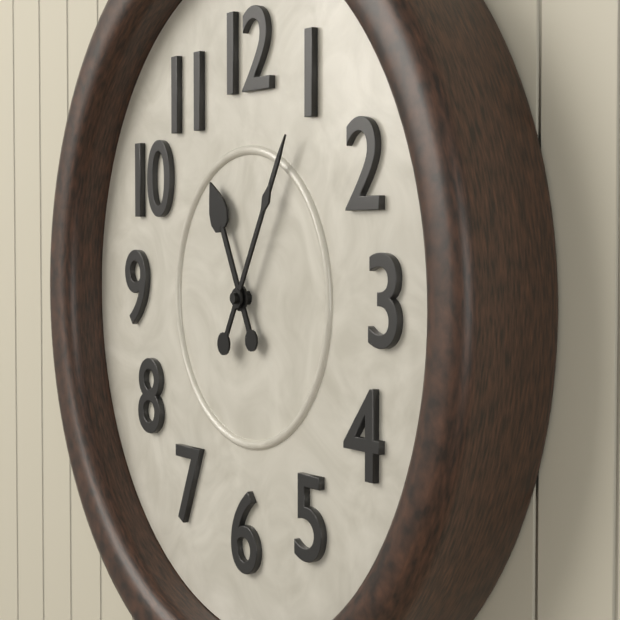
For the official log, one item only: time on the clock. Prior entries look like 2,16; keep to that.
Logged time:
11,05
